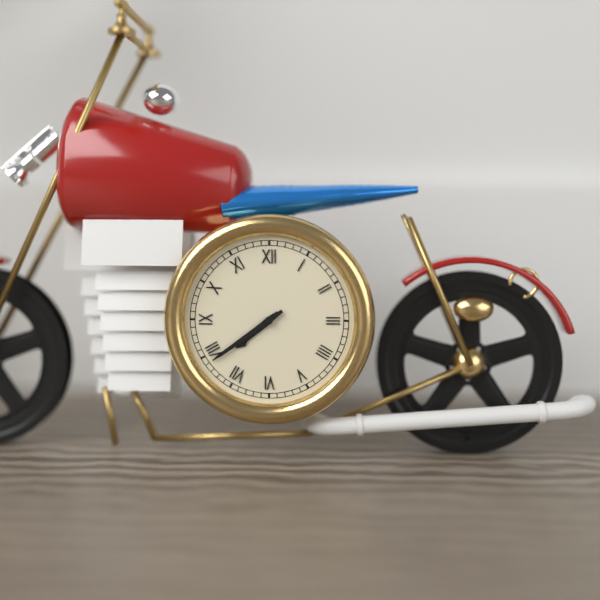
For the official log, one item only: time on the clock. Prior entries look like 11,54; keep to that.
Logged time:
7,39
